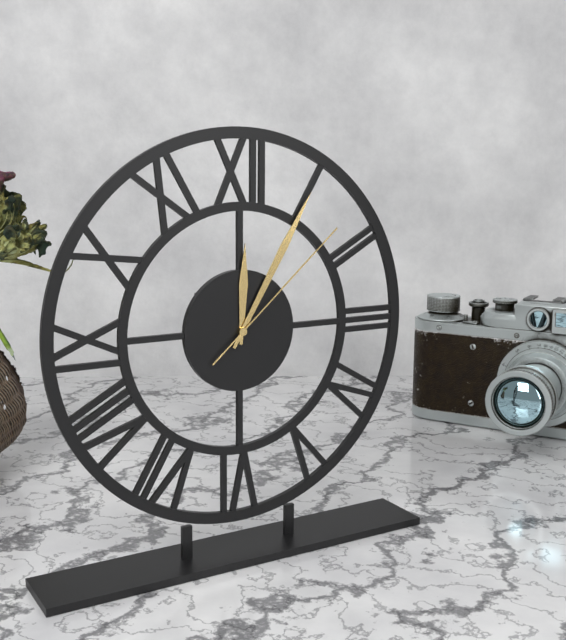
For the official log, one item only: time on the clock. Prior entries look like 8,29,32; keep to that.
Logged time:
12,05,08
